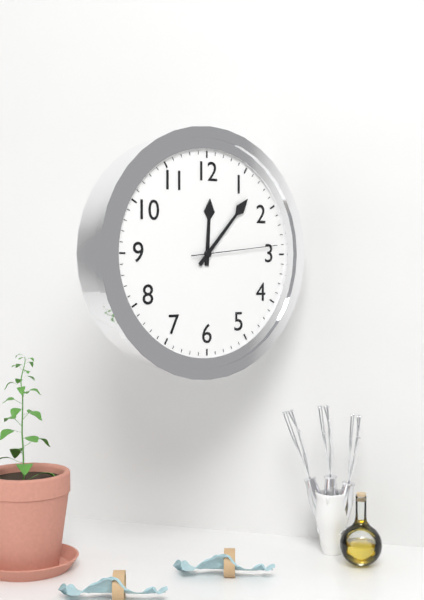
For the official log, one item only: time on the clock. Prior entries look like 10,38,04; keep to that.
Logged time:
12,07,14
